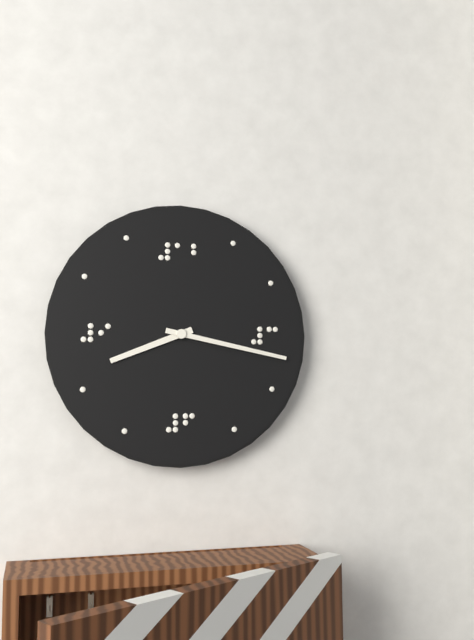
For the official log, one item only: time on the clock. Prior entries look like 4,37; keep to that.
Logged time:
8,17
